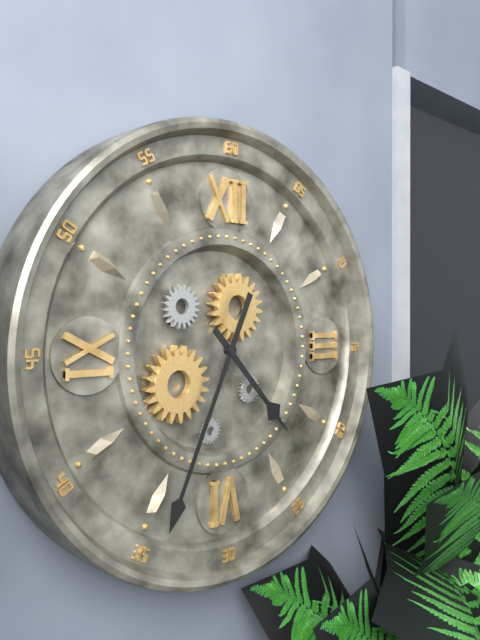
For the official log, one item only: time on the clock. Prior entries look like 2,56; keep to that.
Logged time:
4,34
